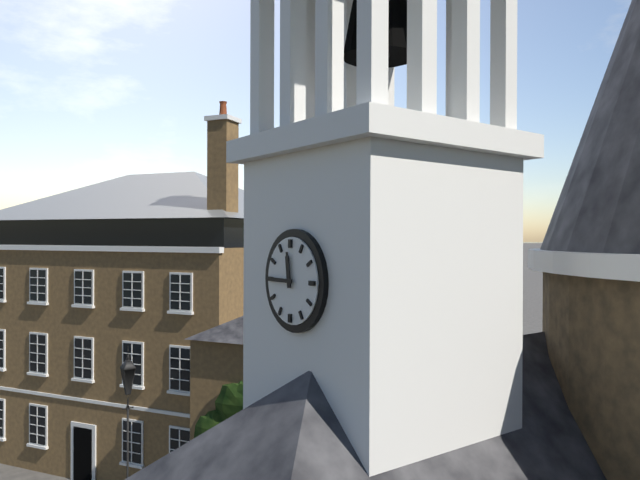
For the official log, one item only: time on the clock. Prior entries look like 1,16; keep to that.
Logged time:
11,45
